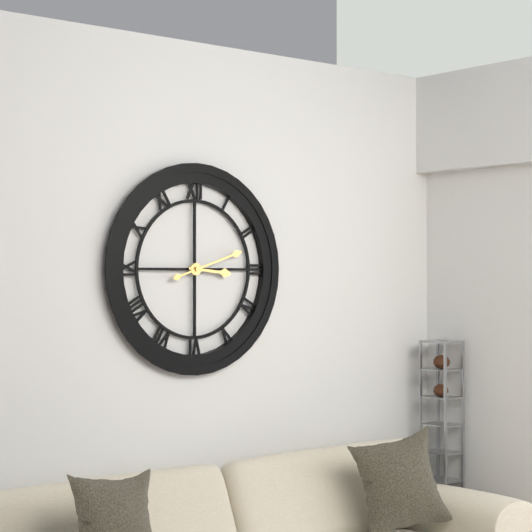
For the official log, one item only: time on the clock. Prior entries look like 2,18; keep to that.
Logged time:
3,12
